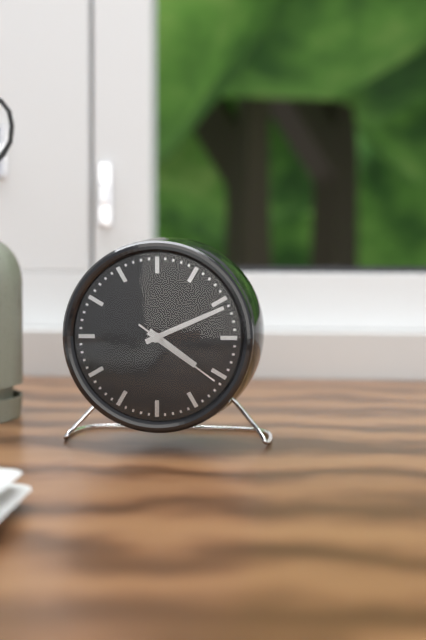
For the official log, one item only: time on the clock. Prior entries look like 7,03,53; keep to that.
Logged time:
4,11,21
